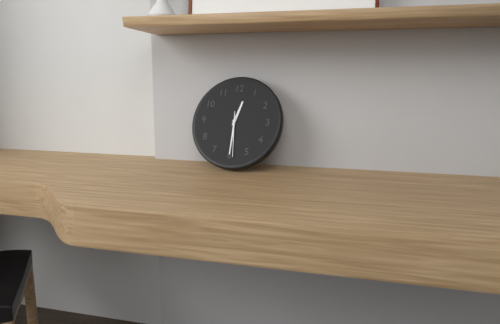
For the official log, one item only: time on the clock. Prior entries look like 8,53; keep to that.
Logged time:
12,30
